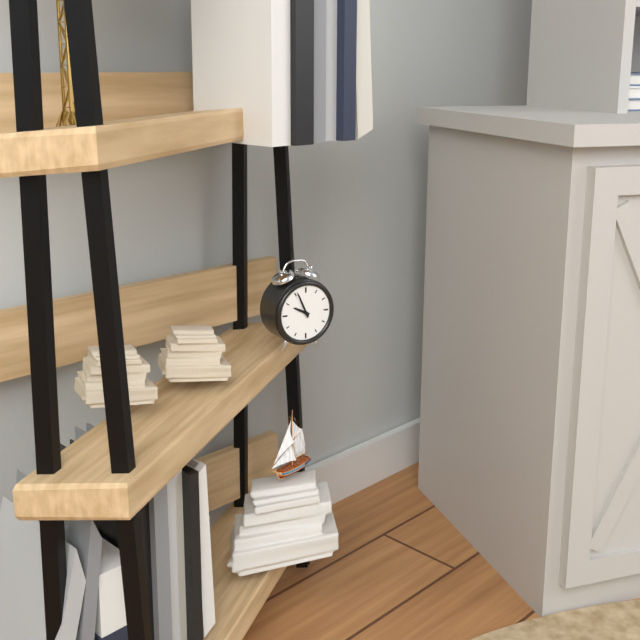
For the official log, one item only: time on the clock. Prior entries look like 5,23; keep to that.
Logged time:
9,56
